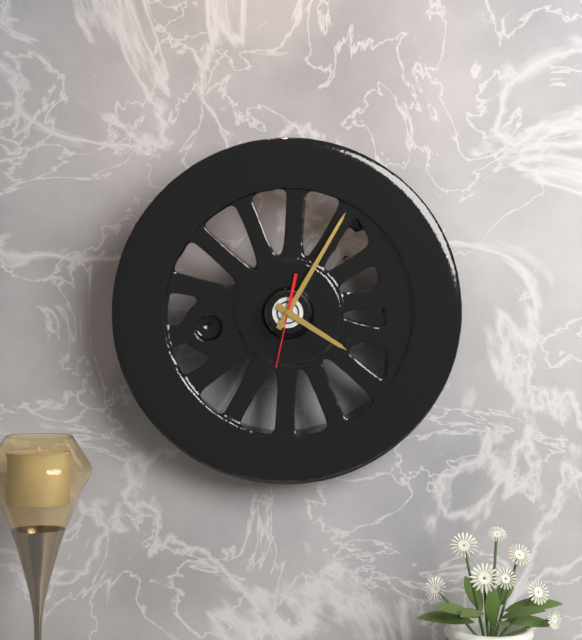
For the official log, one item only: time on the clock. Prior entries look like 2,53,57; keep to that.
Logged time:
4,05,32
